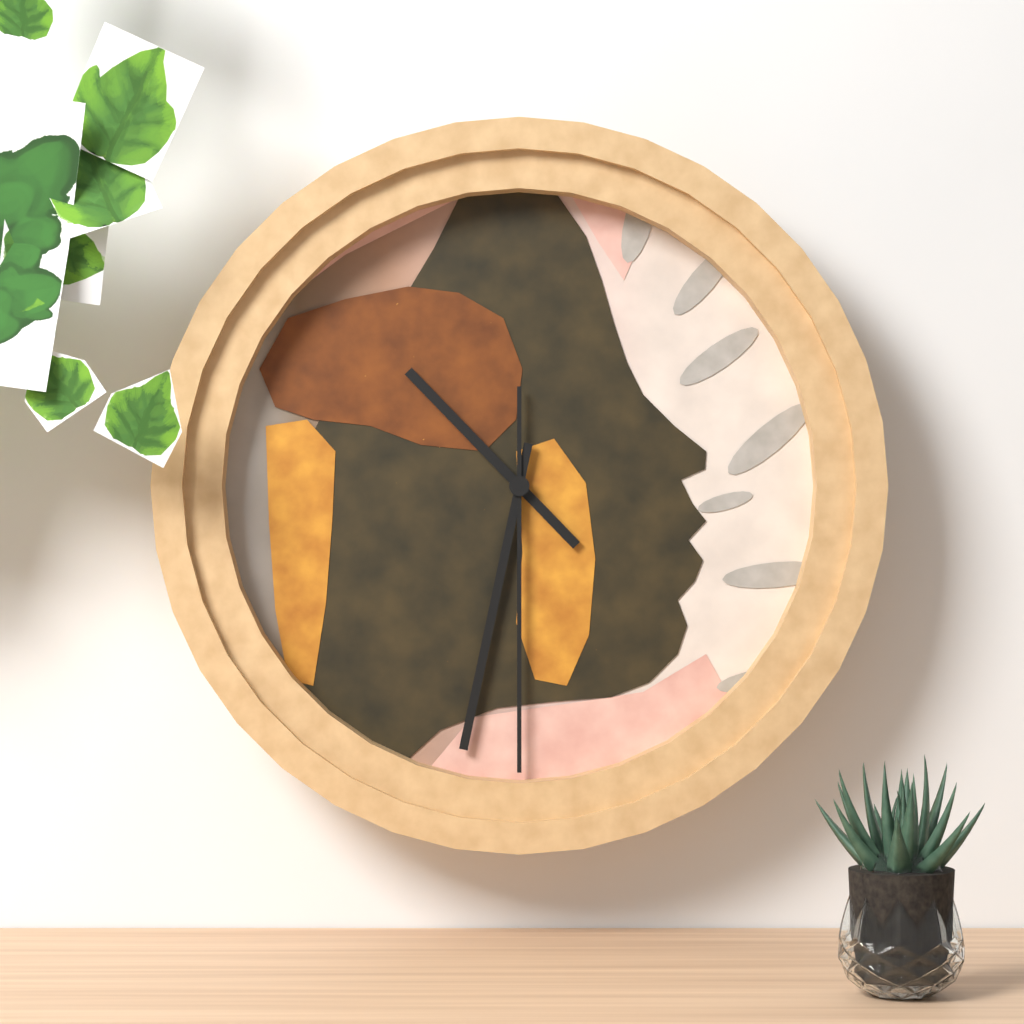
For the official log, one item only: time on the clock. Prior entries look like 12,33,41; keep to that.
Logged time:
10,32,30
